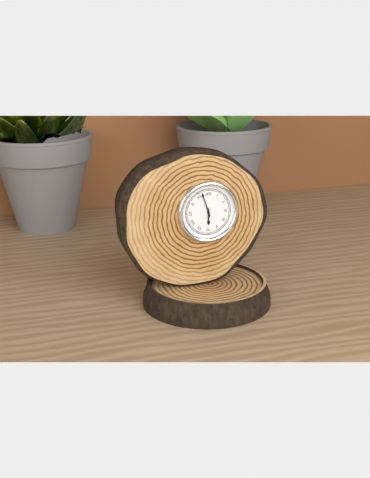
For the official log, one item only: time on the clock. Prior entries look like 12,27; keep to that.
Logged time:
5,57
